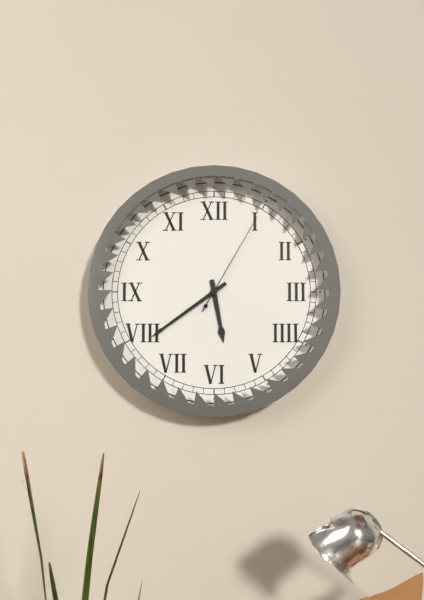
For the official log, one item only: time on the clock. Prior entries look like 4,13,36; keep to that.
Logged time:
5,39,05
